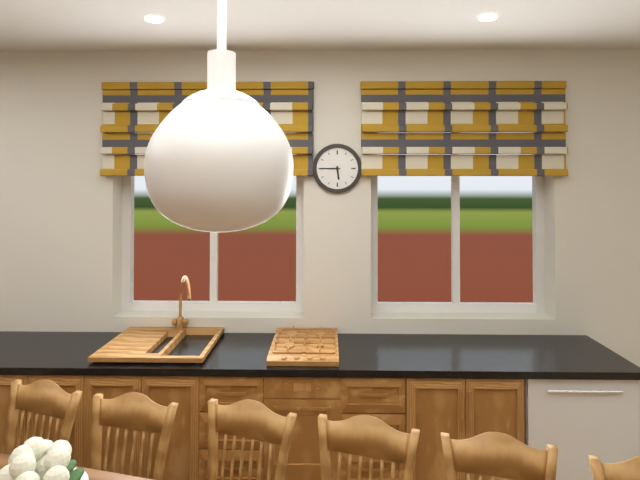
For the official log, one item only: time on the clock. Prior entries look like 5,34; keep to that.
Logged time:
5,45
